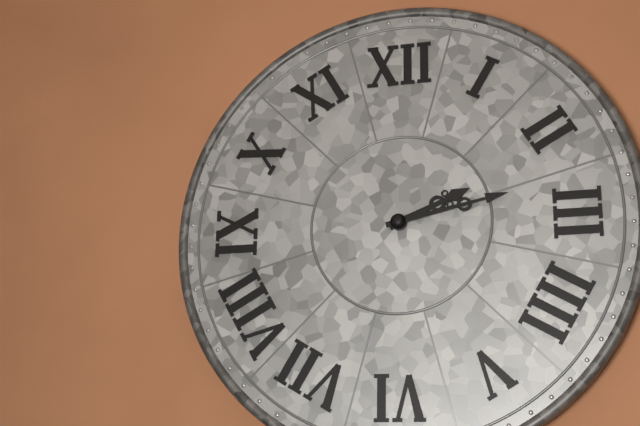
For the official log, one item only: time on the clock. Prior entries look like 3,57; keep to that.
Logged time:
2,13
